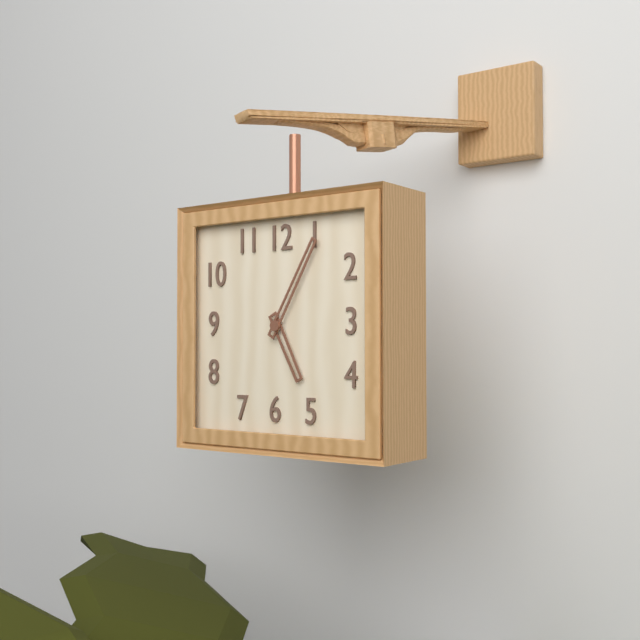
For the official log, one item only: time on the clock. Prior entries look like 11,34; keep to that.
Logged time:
5,05
